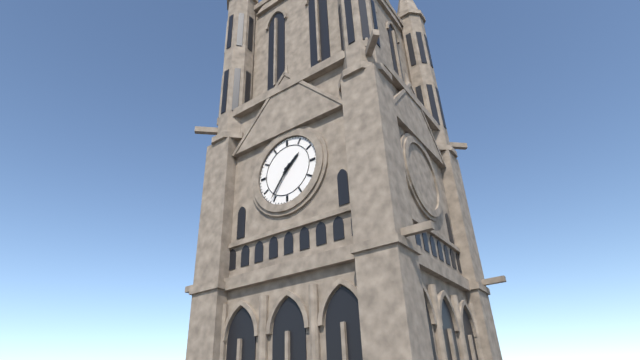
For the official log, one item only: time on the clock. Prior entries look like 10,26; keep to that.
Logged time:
1,36
